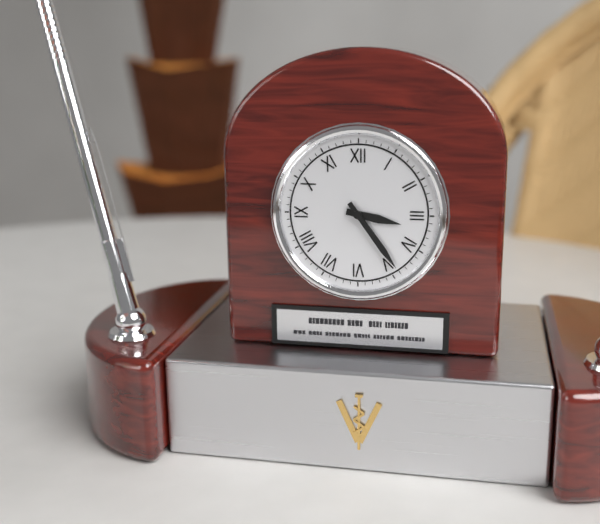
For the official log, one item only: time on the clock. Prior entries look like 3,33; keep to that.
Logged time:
3,24
